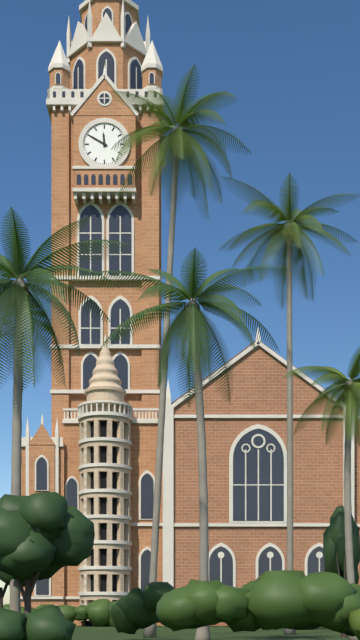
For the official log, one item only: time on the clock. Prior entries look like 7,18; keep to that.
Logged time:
11,50
